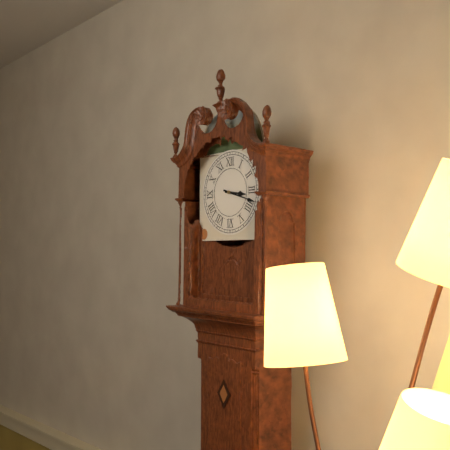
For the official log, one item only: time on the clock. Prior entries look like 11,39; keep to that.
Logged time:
3,18
